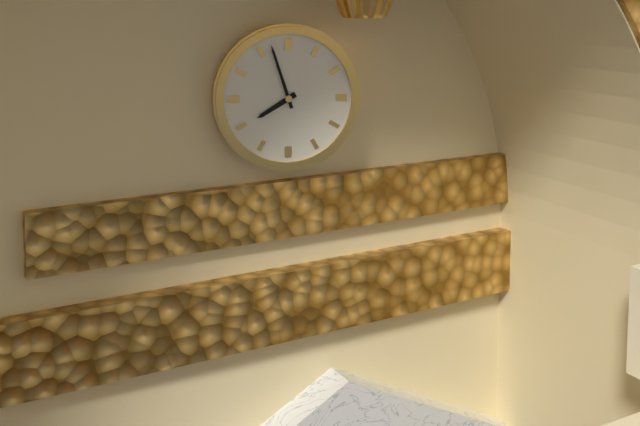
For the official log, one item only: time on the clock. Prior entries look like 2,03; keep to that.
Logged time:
7,57
